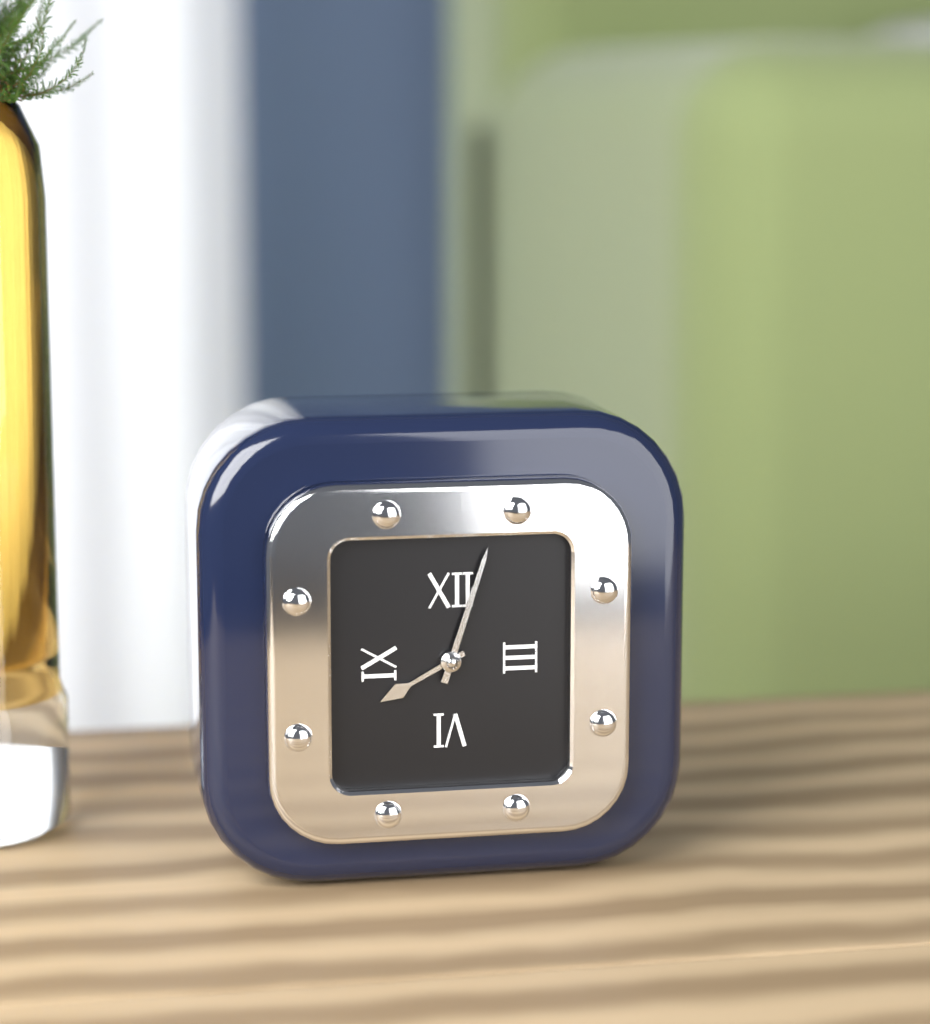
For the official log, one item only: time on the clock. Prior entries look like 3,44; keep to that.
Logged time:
8,03
